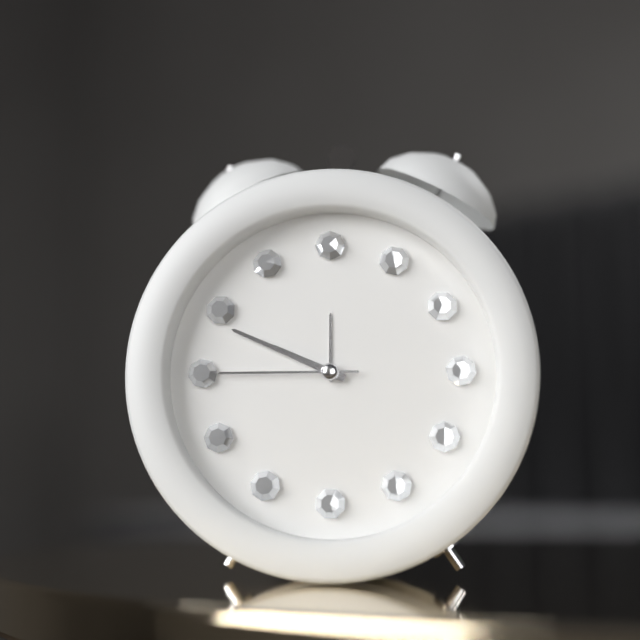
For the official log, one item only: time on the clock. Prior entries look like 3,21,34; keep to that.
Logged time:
9,49,45
